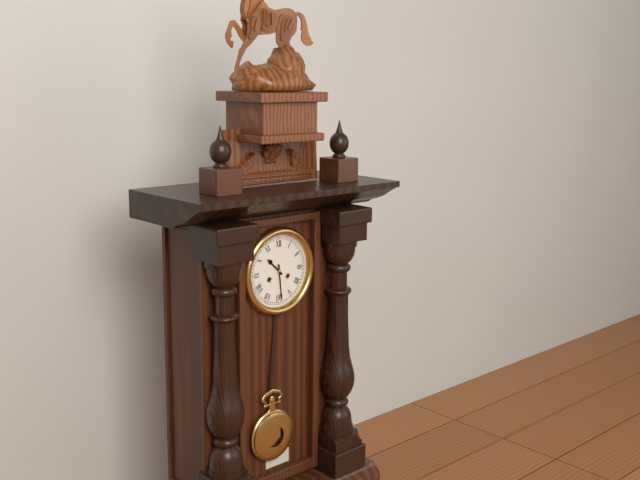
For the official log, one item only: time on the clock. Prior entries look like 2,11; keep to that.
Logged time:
10,29
